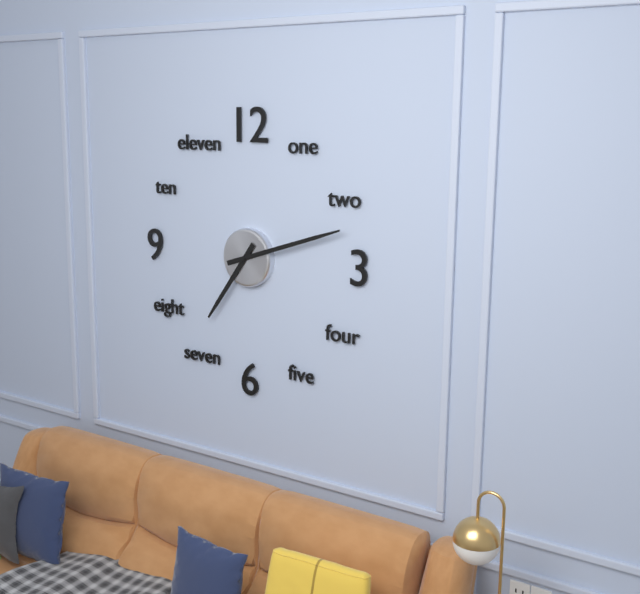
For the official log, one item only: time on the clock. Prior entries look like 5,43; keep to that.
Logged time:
7,12
